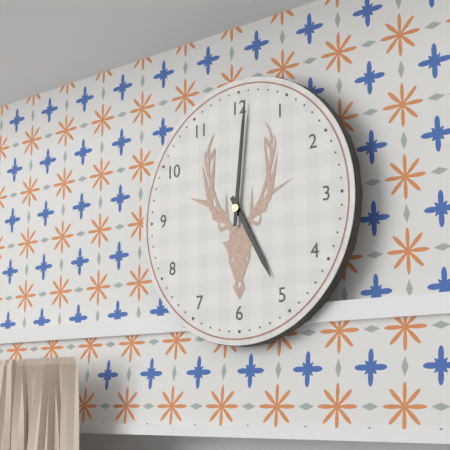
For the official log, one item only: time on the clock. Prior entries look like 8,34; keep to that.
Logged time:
5,01
